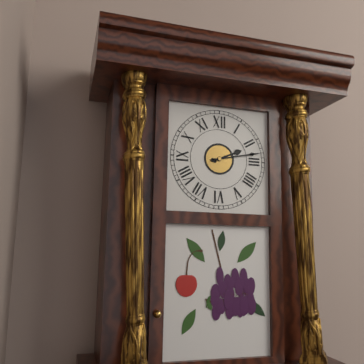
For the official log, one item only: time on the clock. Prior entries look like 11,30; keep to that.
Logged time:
2,13
